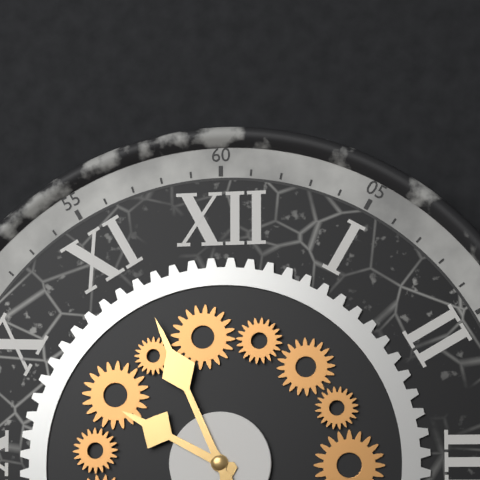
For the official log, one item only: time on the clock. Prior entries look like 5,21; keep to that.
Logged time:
9,56
